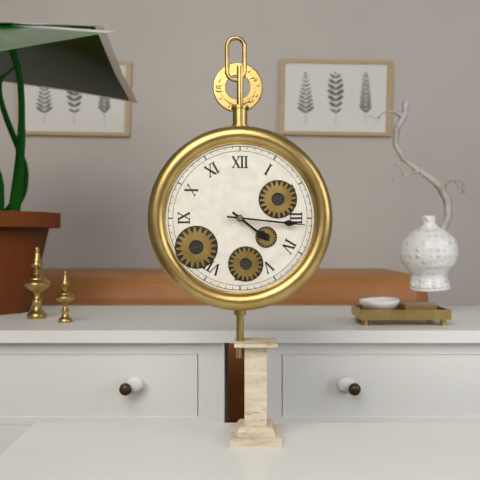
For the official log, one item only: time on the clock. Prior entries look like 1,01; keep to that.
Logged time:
4,16
